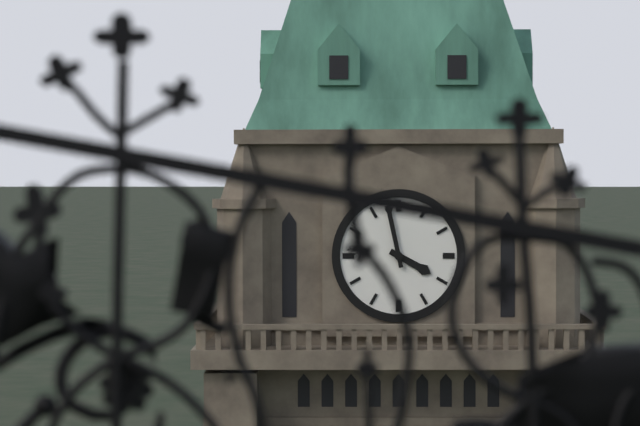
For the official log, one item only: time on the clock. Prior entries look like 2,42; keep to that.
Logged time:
3,58
